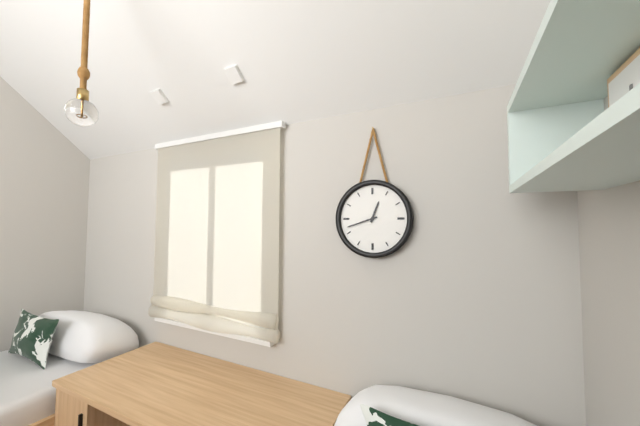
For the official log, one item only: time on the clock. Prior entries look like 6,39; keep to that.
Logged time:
12,42
